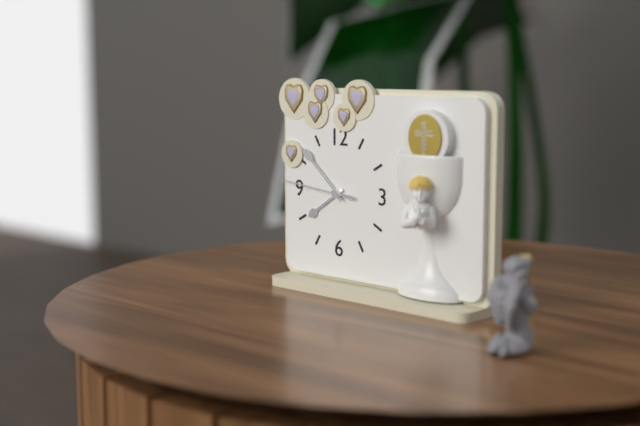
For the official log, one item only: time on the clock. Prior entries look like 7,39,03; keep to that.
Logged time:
7,52,46
